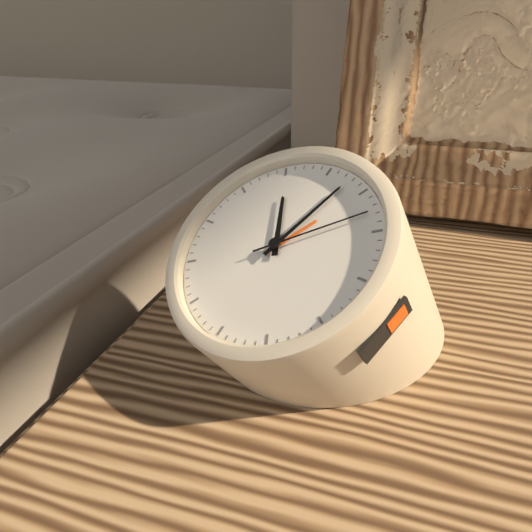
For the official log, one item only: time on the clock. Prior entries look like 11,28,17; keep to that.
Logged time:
11,03,08
